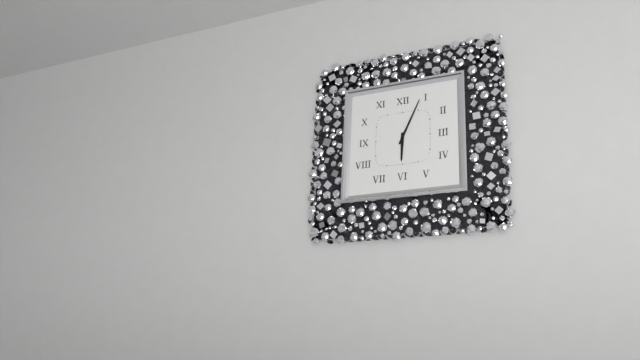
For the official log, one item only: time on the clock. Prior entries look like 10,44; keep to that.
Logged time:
6,04
